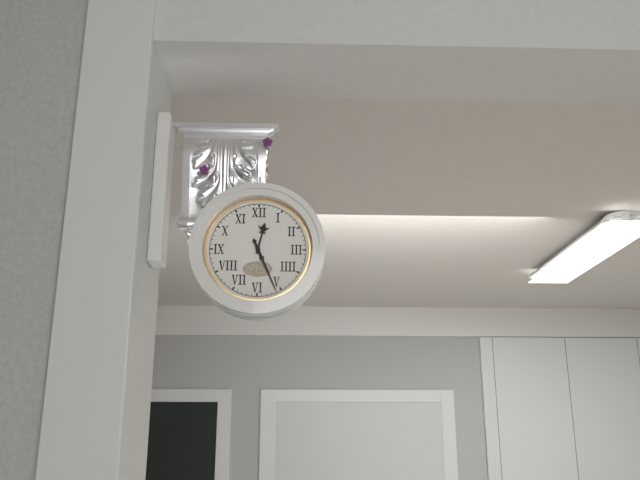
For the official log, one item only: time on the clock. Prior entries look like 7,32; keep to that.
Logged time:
12,26
